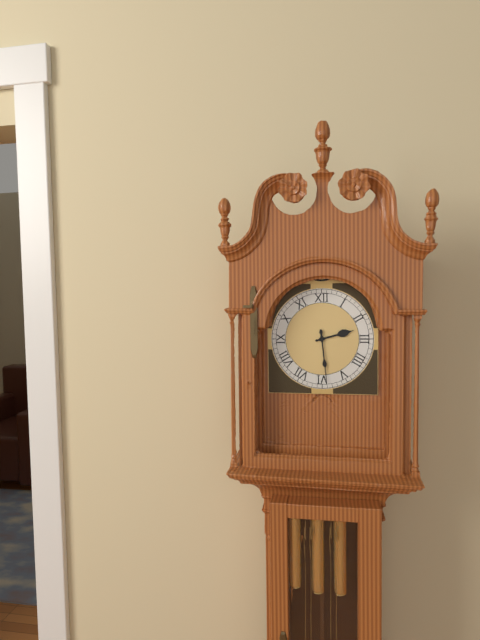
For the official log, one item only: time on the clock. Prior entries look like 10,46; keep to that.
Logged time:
2,29
